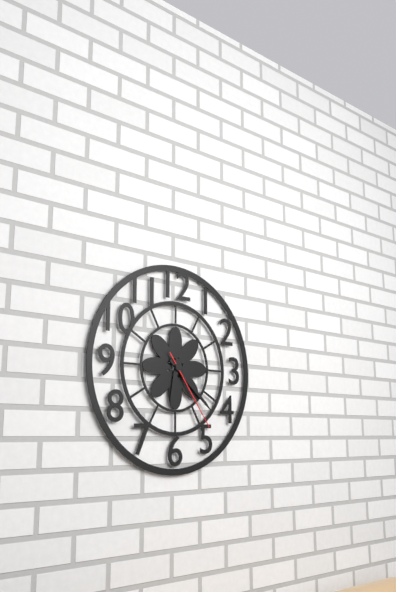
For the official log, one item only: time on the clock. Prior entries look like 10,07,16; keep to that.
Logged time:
6,22,24
